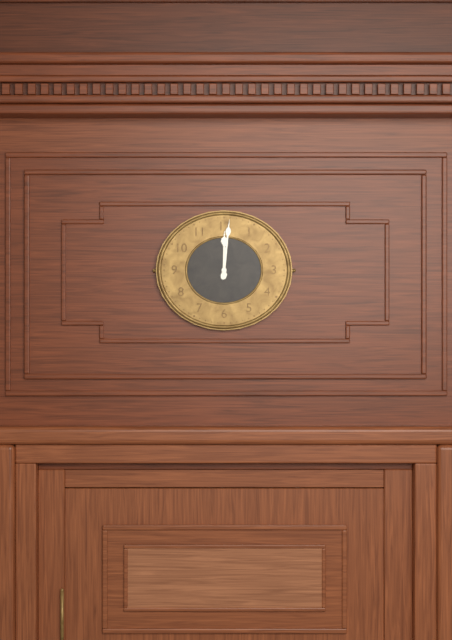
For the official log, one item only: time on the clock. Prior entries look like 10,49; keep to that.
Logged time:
12,01
